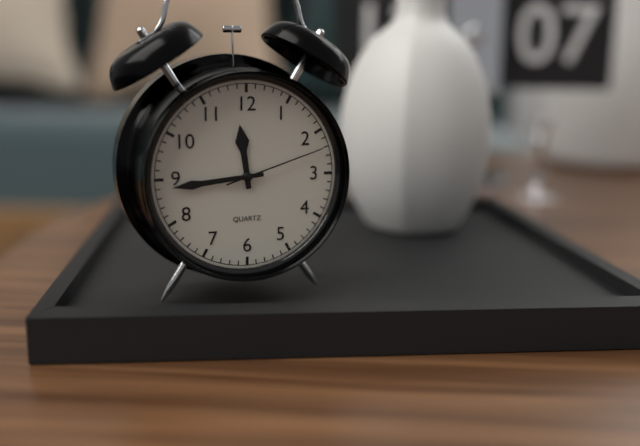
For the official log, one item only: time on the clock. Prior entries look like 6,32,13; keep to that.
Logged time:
11,44,12
